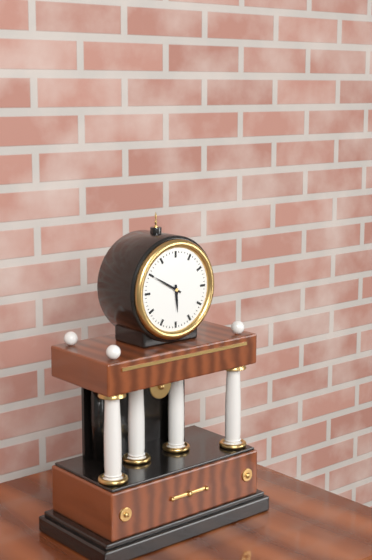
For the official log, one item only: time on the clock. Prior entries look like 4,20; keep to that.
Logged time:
5,50
